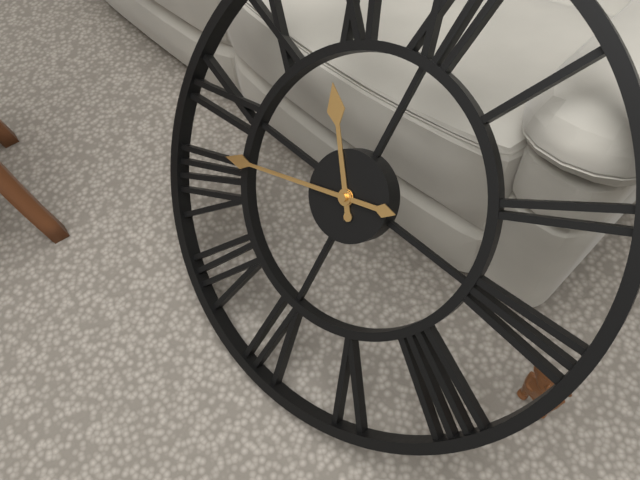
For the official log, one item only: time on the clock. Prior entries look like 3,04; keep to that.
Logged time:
10,42
